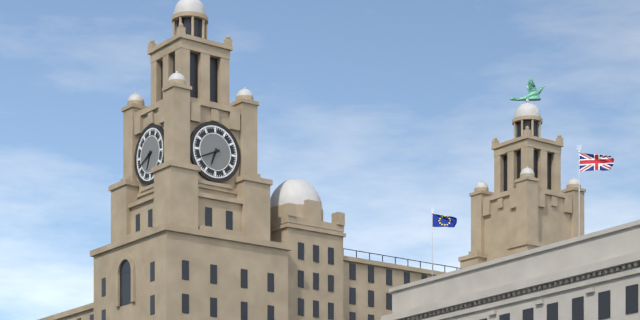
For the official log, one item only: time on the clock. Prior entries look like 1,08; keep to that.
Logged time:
6,41
